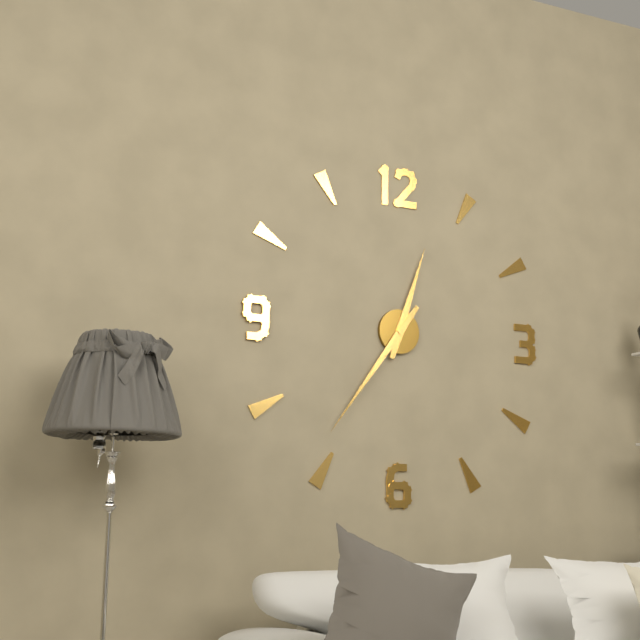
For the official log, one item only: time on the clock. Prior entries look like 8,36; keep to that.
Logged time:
12,36
